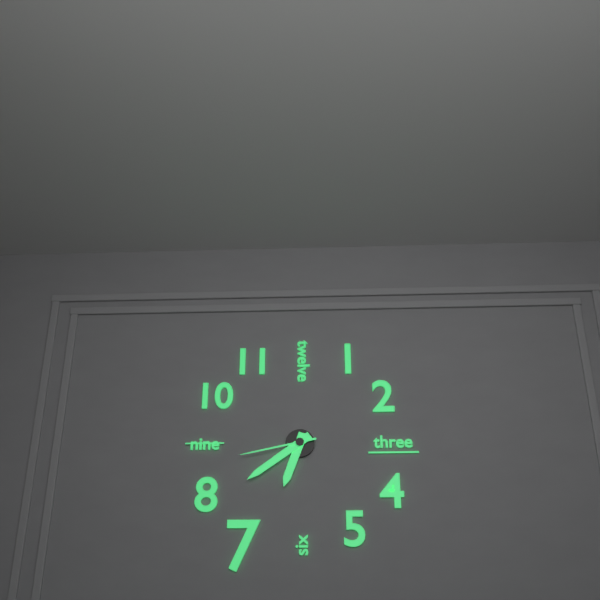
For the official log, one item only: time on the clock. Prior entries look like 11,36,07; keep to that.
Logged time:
6,39,43
